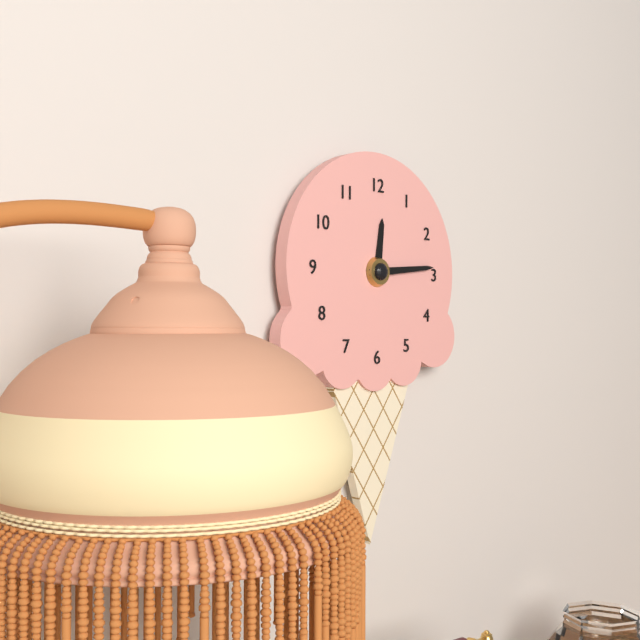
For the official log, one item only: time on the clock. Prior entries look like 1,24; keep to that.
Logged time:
12,14
